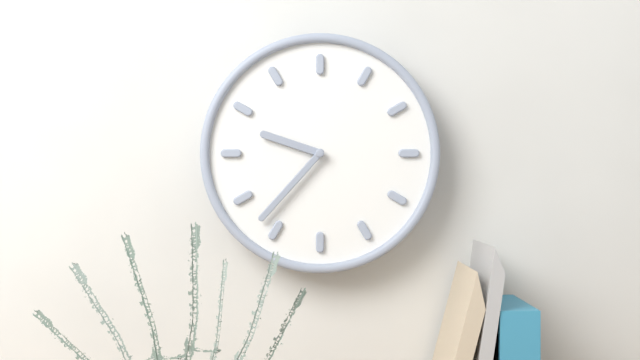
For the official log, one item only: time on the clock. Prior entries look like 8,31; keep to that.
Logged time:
9,37
